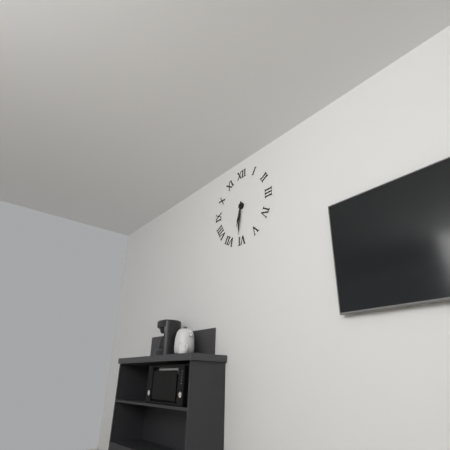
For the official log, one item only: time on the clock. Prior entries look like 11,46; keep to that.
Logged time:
6,31
